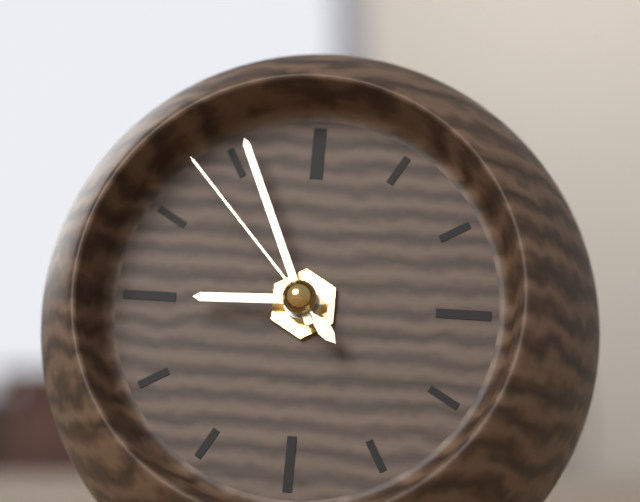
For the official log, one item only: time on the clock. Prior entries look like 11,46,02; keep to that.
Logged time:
8,56,53
